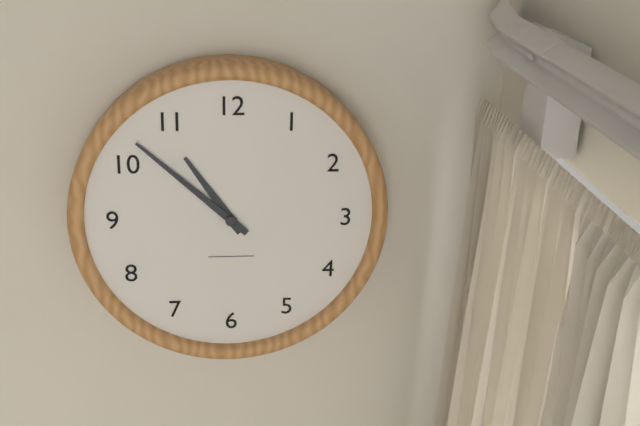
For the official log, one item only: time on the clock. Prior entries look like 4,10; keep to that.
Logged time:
10,52
